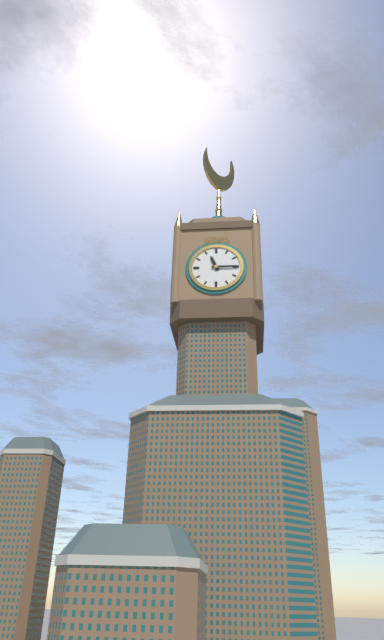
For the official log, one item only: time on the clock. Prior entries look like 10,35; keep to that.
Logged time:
11,15
